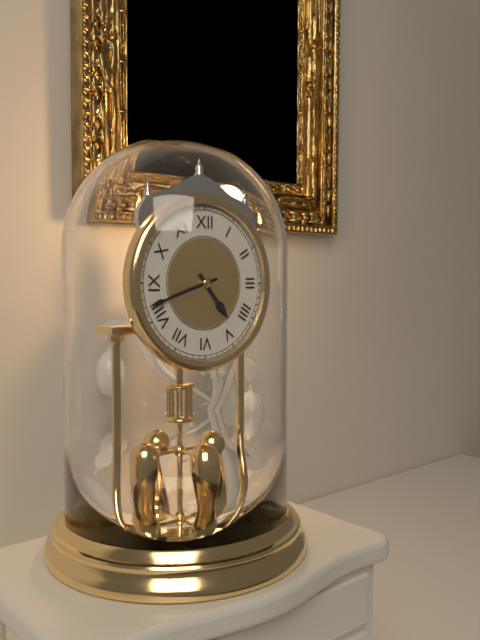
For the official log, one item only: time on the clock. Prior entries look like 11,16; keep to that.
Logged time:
4,42
